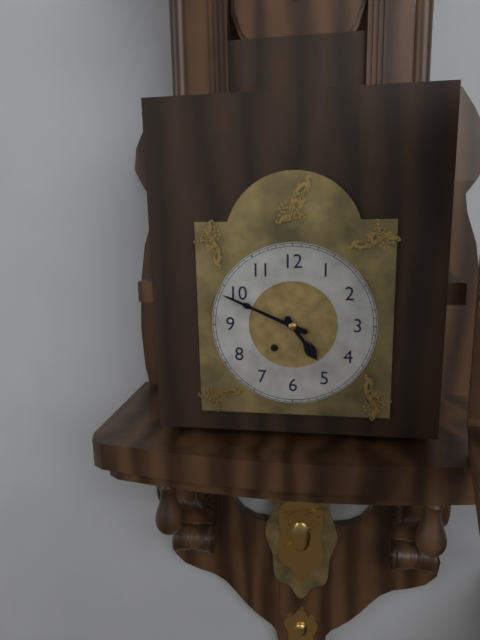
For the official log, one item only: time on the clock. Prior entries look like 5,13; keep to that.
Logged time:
4,49
